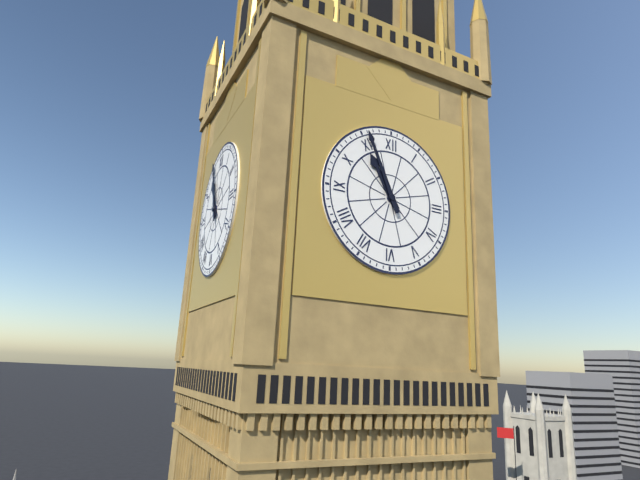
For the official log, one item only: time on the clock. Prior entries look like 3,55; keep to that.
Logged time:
10,56
